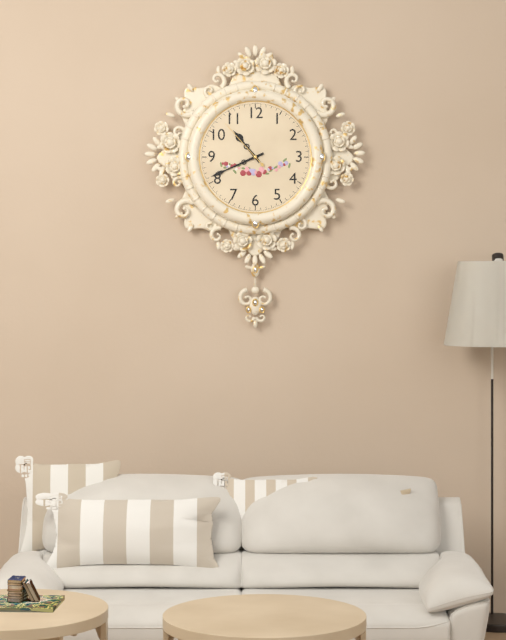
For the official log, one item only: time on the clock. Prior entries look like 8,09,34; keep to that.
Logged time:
10,41,53
